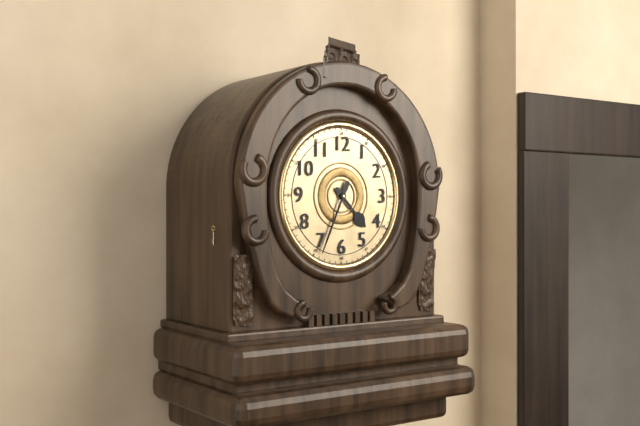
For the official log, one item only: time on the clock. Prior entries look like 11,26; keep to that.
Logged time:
4,34
